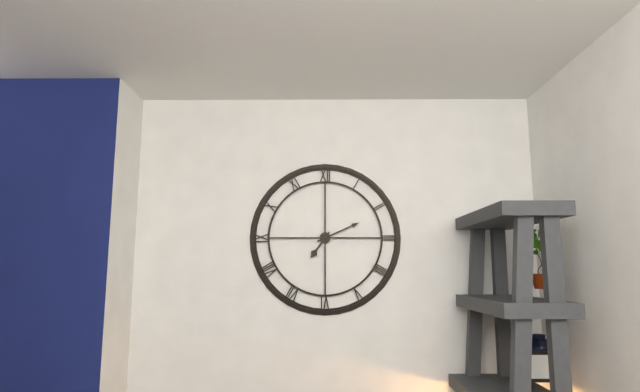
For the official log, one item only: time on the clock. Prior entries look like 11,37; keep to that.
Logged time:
7,11
